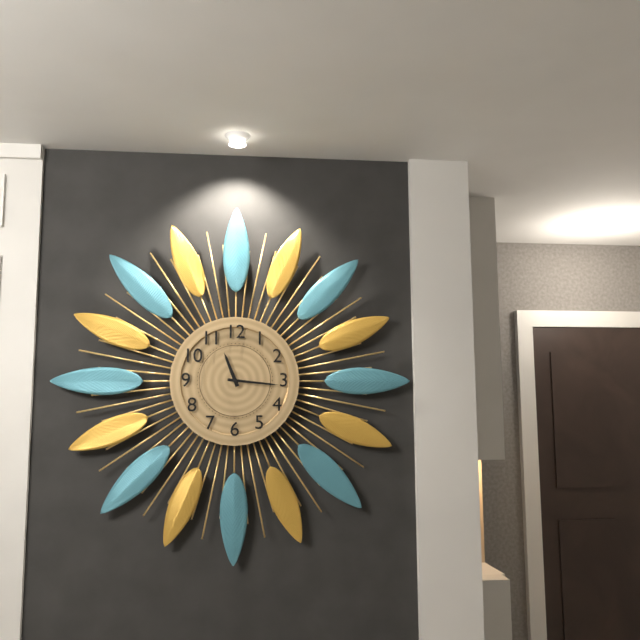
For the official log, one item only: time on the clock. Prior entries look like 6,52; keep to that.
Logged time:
11,16
